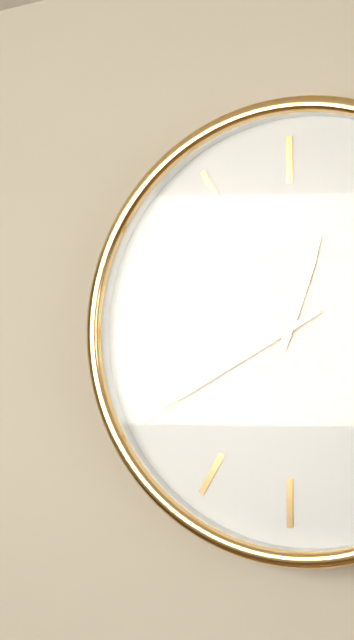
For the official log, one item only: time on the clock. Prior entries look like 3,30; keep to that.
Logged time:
12,40
